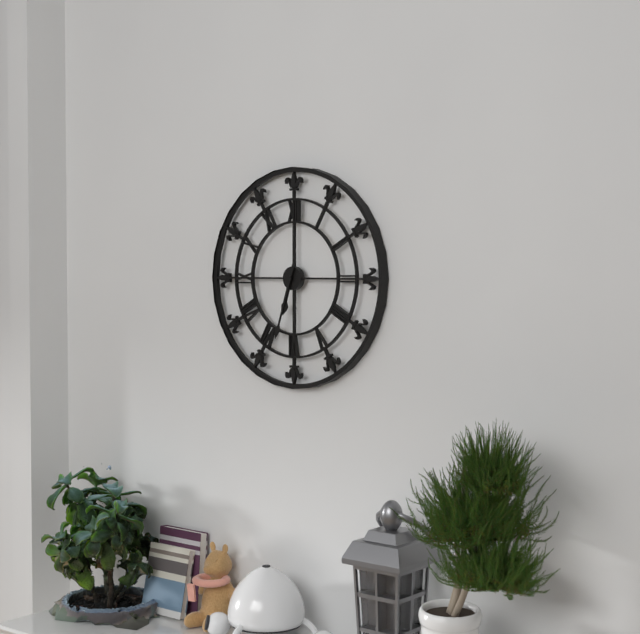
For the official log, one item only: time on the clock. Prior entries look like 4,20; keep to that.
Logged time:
6,33
